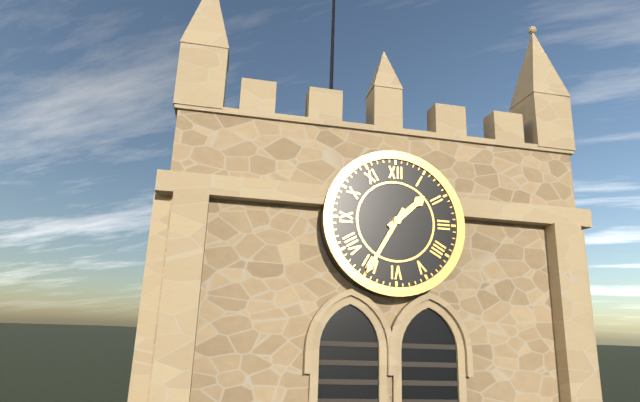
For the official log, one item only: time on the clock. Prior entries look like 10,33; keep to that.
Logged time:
1,35
